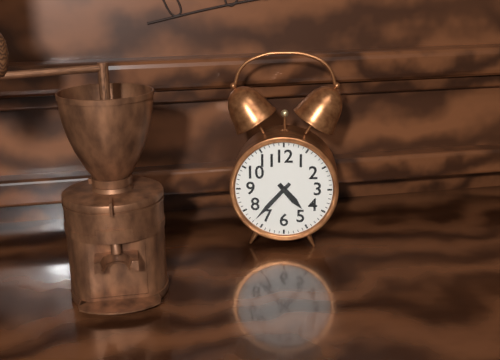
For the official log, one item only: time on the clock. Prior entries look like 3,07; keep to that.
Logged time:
4,37
